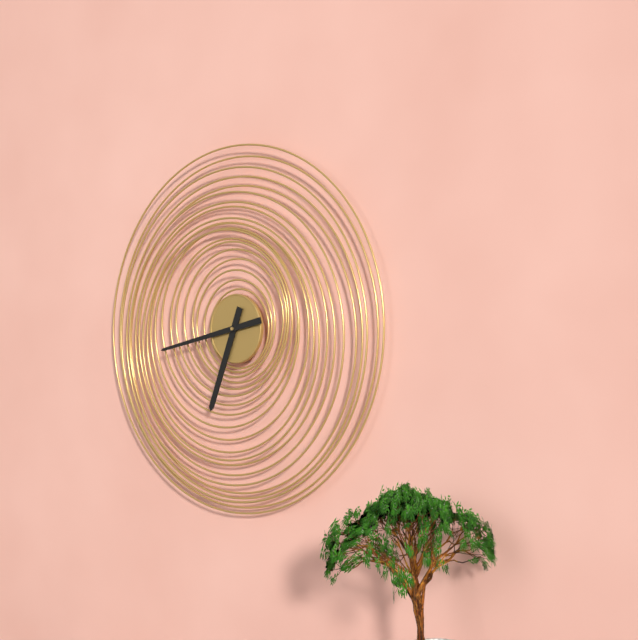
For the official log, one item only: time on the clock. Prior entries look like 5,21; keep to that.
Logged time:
6,43
